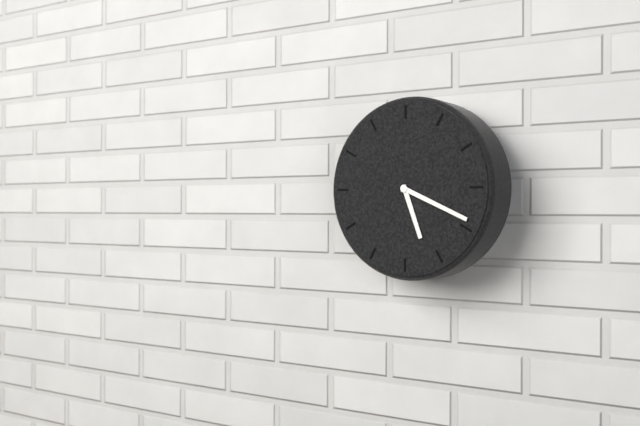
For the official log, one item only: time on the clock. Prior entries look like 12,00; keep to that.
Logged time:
5,19
